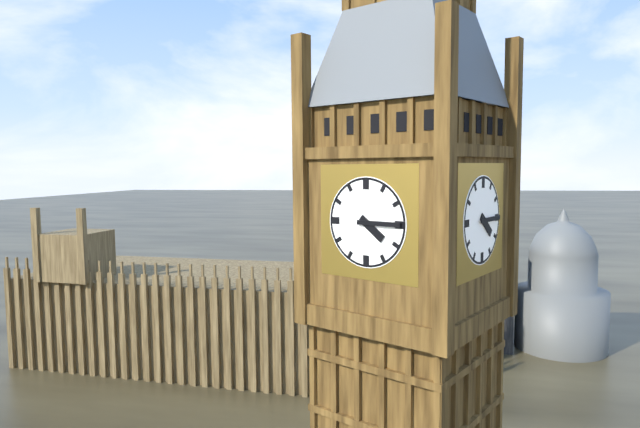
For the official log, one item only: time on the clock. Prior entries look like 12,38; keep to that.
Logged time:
4,15
